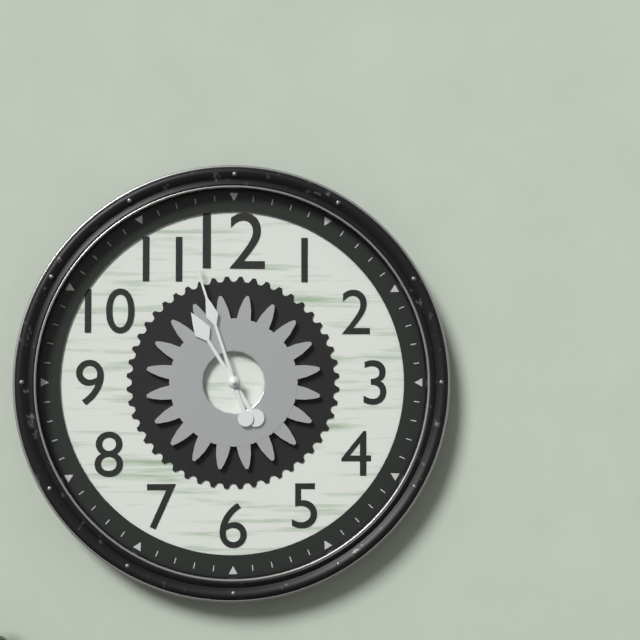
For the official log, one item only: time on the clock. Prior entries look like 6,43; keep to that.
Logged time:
10,57
